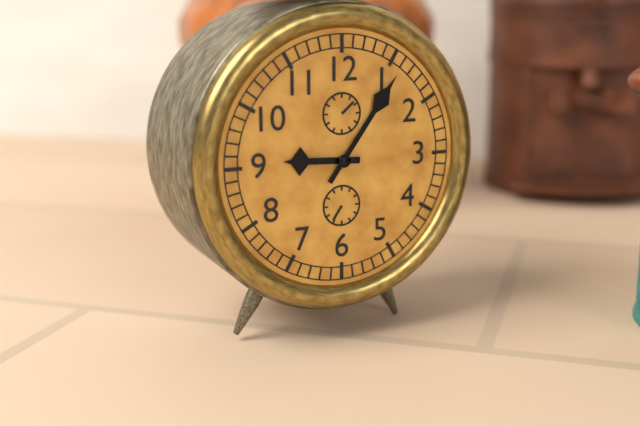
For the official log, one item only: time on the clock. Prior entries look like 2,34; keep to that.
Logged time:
9,06
